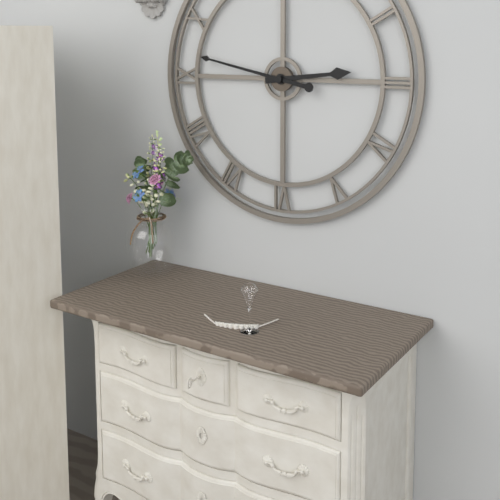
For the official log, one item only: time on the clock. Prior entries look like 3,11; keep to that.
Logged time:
2,47
